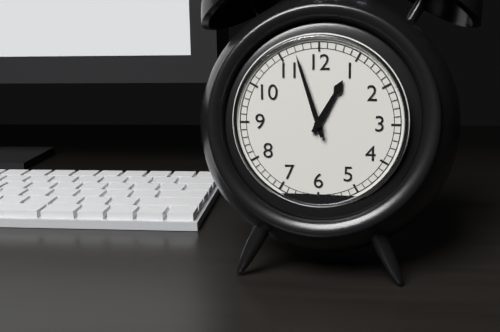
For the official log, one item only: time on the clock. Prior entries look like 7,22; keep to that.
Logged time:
12,57
